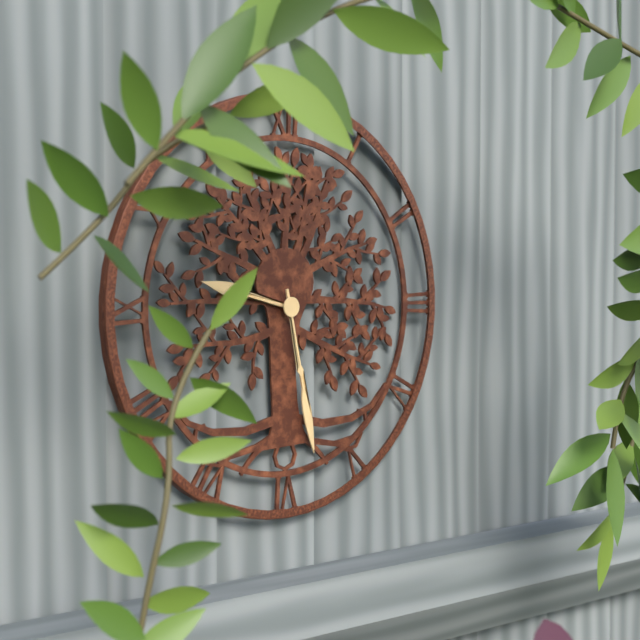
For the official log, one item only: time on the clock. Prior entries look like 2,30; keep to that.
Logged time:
9,28
